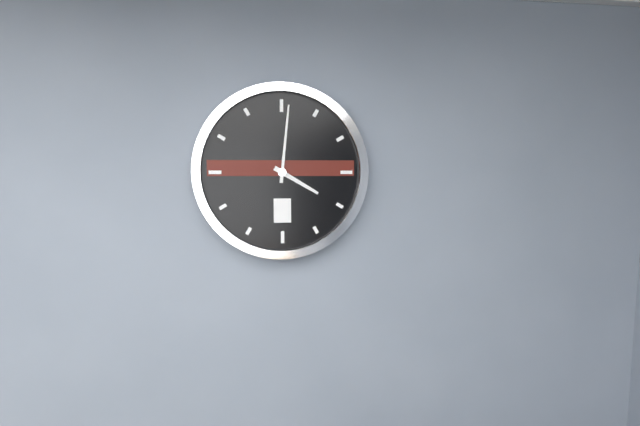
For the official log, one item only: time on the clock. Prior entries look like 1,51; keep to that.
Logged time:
4,01
